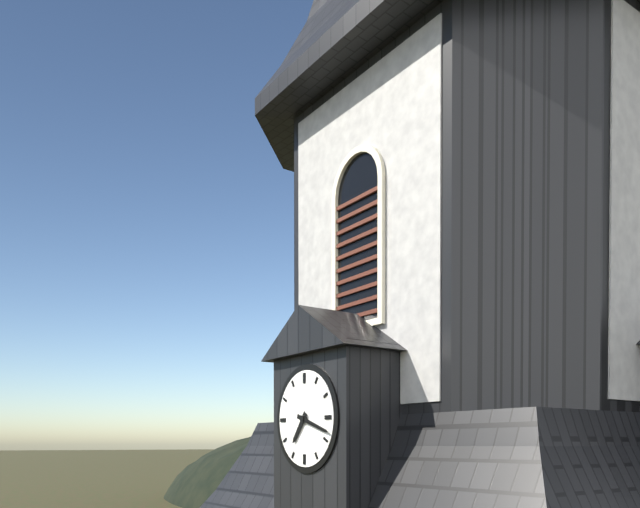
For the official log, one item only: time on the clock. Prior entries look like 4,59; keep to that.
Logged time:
7,18
